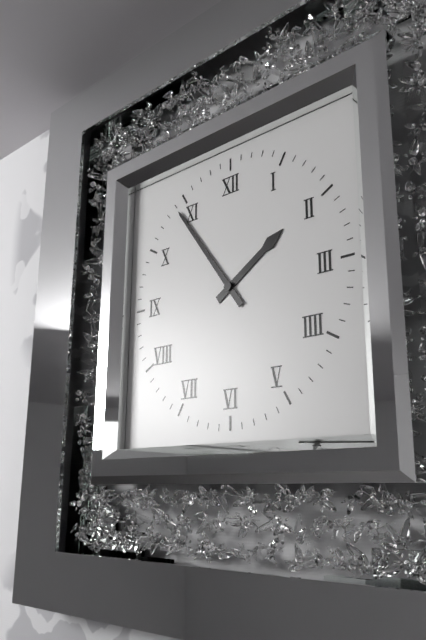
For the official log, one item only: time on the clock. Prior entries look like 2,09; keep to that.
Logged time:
1,54
